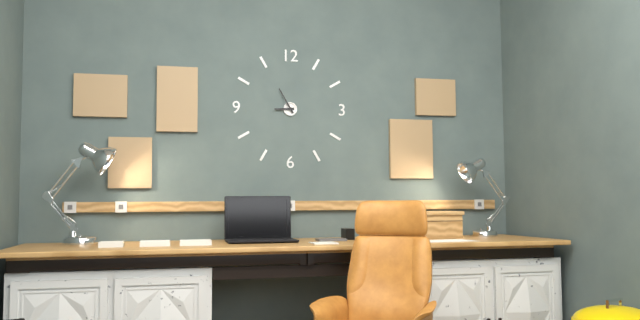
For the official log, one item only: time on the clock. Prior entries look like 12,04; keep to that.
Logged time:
8,55
